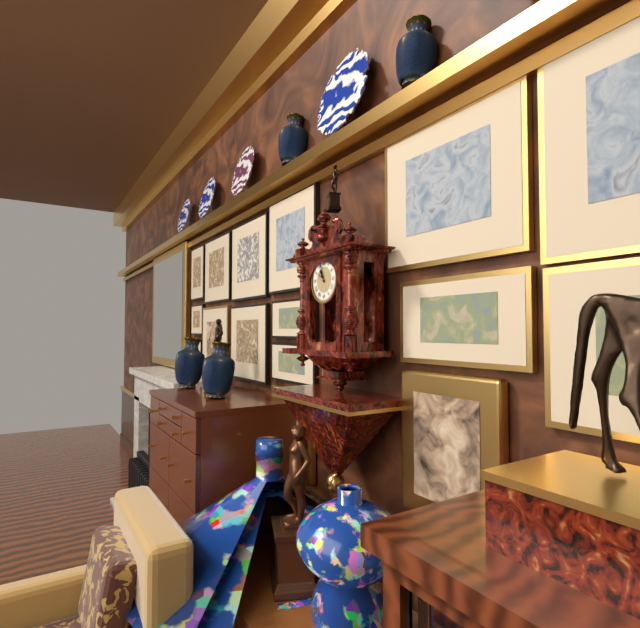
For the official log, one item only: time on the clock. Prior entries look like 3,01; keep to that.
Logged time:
10,57
